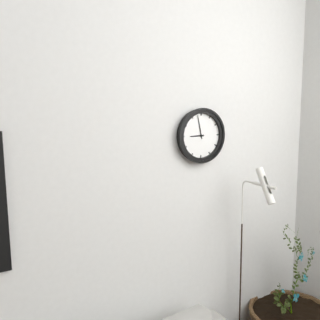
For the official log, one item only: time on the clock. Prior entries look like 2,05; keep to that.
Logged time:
8,58
